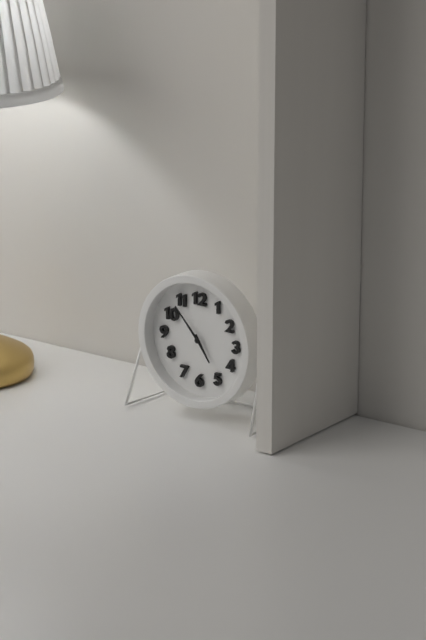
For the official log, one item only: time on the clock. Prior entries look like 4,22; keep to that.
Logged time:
4,53
